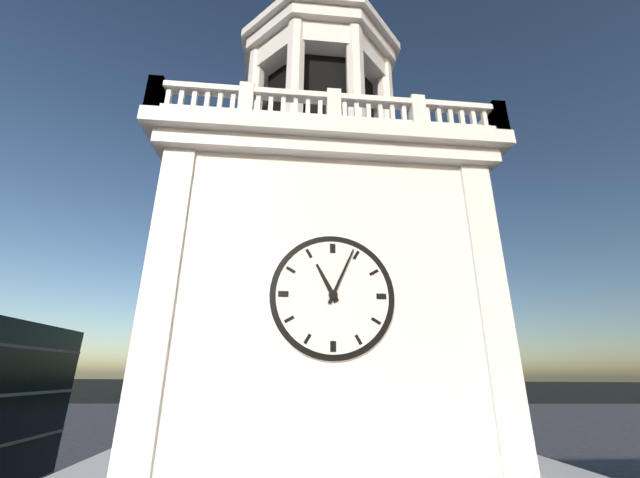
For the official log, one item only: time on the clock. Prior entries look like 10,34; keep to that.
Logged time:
11,04
